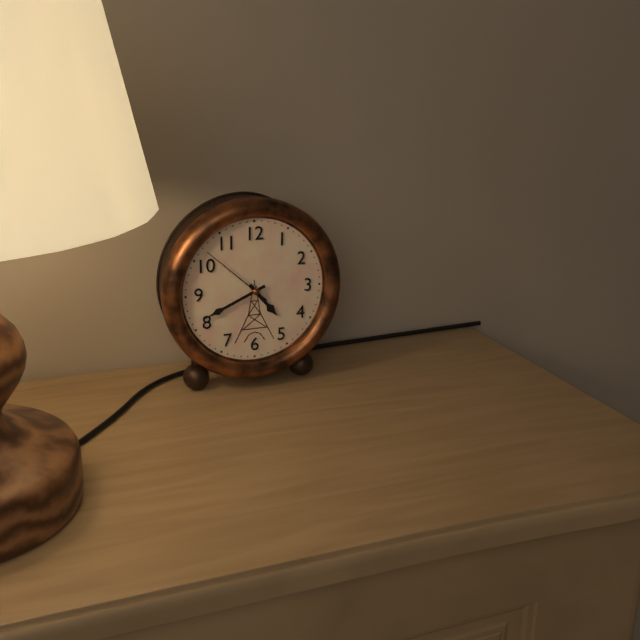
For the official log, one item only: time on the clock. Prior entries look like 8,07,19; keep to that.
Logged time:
4,41,52
